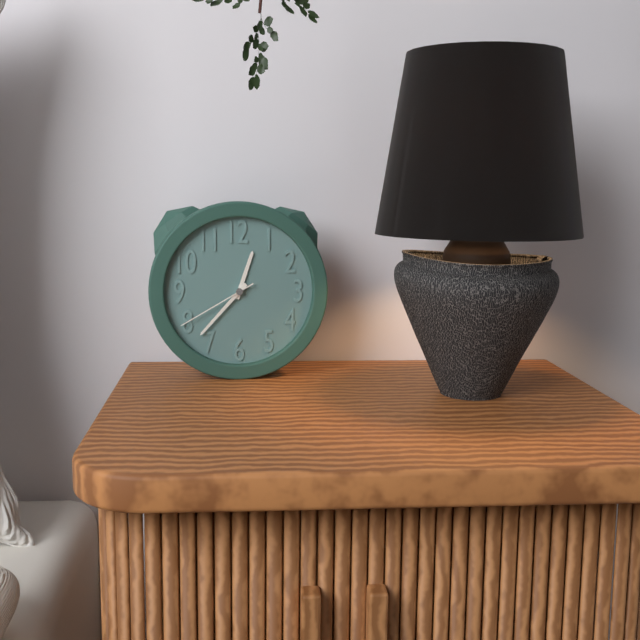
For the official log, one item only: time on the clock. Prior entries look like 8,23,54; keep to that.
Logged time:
12,37,40
